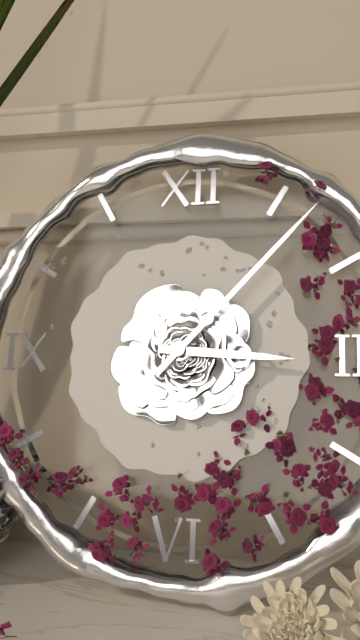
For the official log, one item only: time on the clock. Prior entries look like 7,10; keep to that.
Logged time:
3,07
